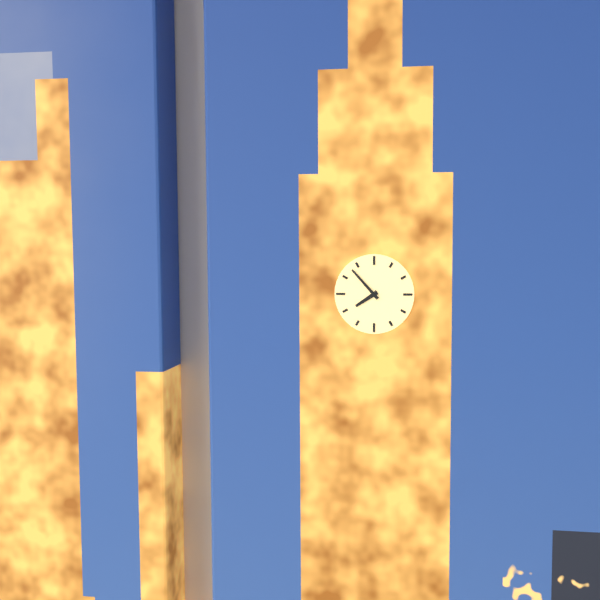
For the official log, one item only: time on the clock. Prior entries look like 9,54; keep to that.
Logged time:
7,53
